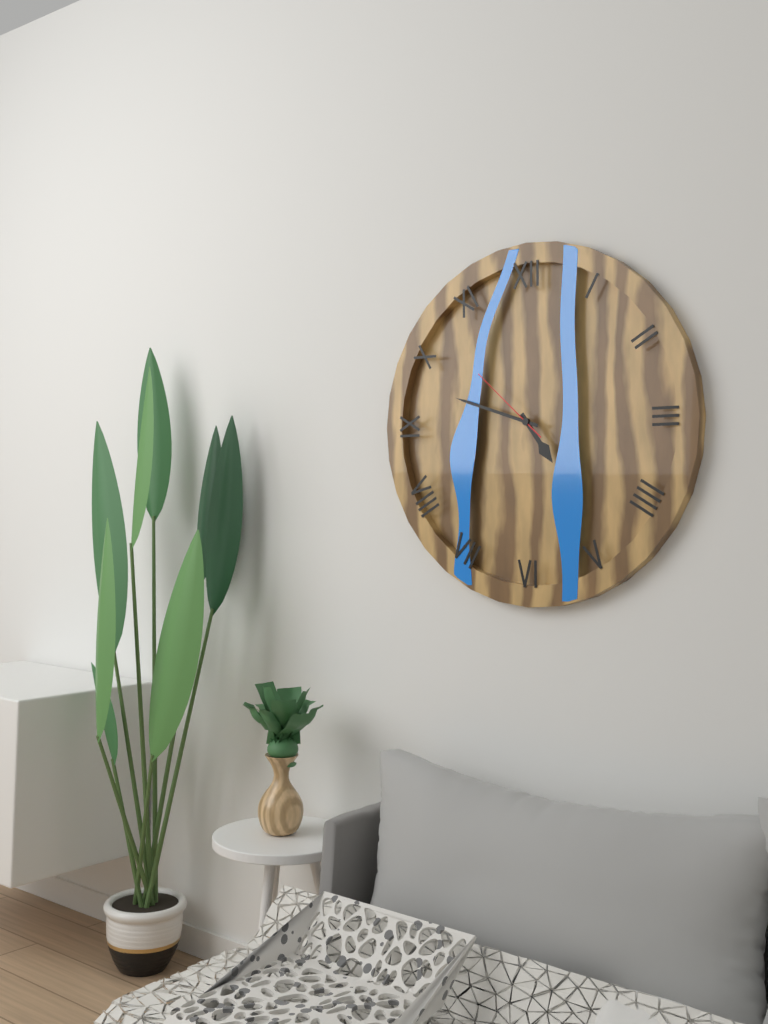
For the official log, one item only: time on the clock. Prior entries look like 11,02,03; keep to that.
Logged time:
4,48,52
